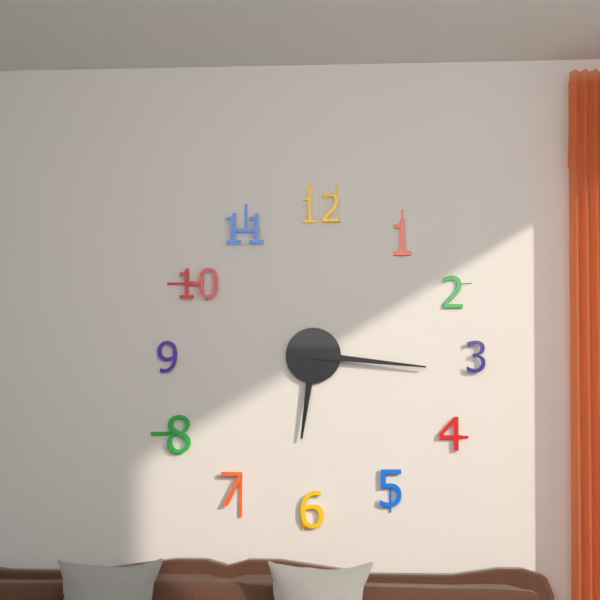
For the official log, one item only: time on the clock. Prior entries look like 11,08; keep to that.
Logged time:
6,16
